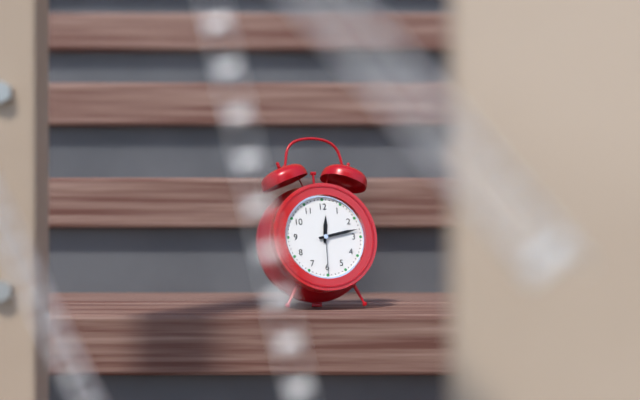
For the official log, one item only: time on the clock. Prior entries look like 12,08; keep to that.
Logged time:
12,13
